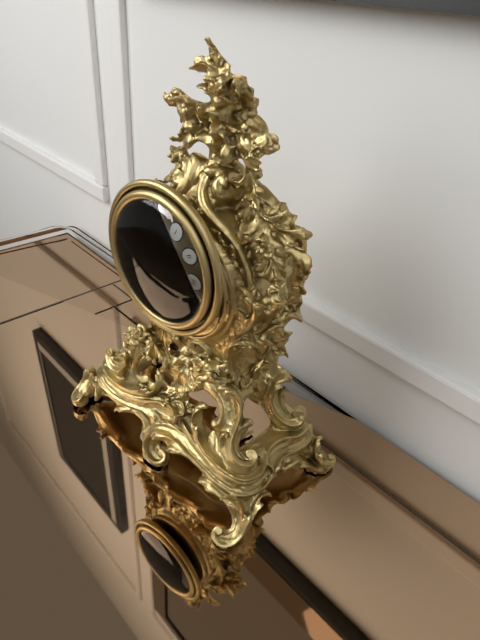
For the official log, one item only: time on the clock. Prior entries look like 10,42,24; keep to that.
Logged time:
10,26,02
